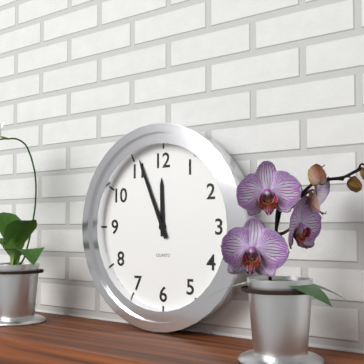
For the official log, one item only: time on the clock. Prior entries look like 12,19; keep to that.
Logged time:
11,56
